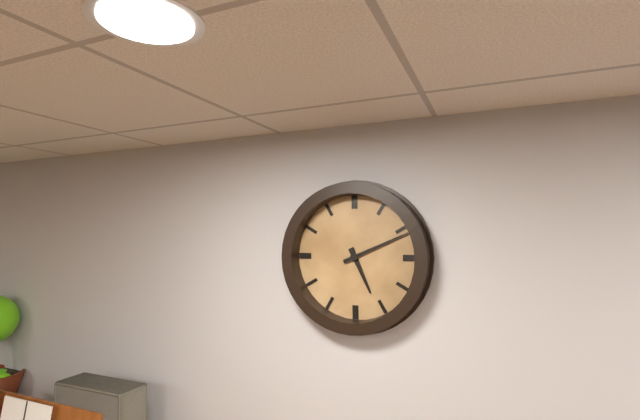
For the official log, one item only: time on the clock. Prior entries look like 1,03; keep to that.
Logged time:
5,11
